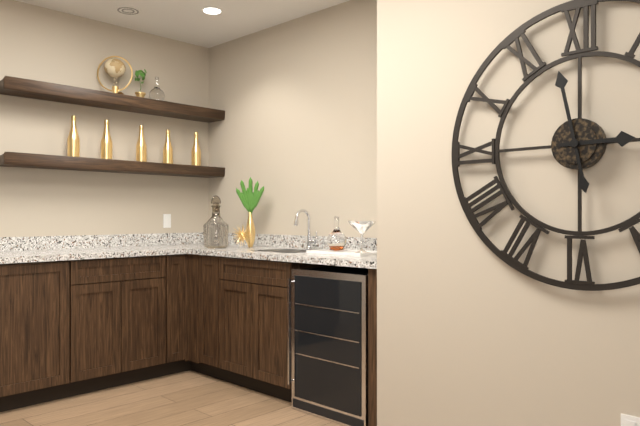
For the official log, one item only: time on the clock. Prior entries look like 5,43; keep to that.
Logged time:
2,58
